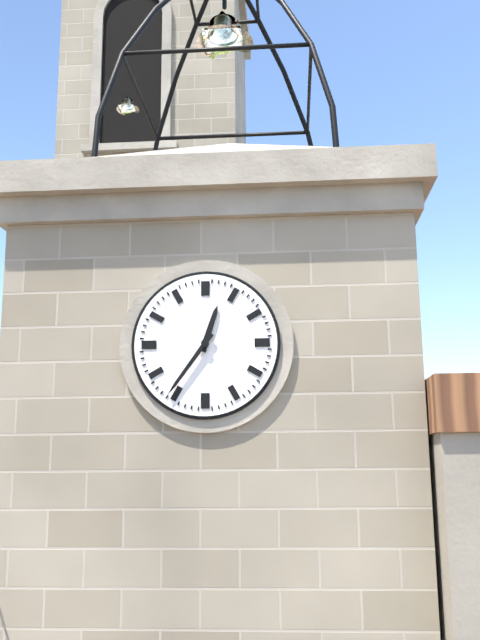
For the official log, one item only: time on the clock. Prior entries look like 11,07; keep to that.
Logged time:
12,36
